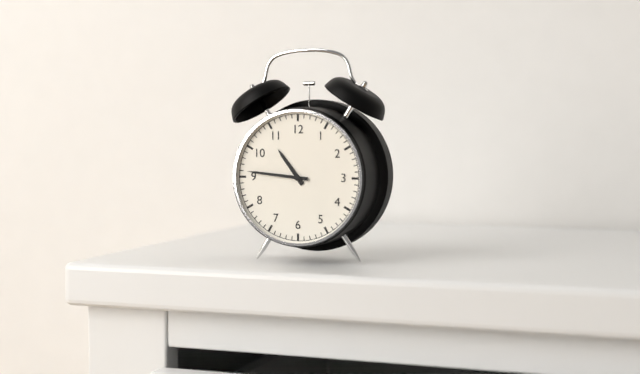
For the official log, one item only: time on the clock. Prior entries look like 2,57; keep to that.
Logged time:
10,46
